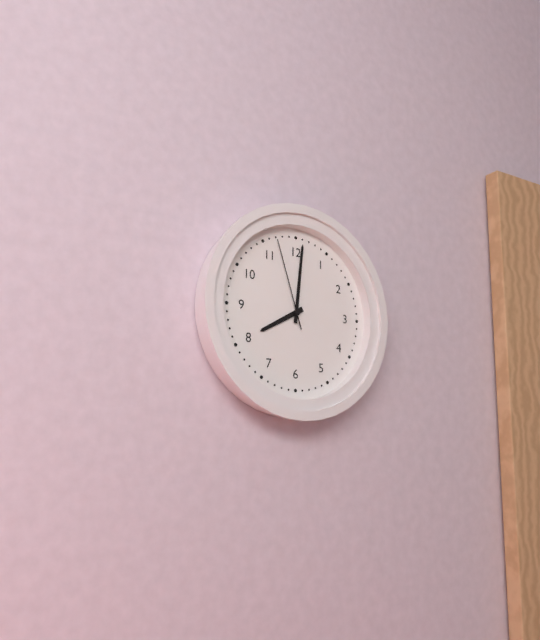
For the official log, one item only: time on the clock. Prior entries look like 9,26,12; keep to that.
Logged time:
8,01,57
